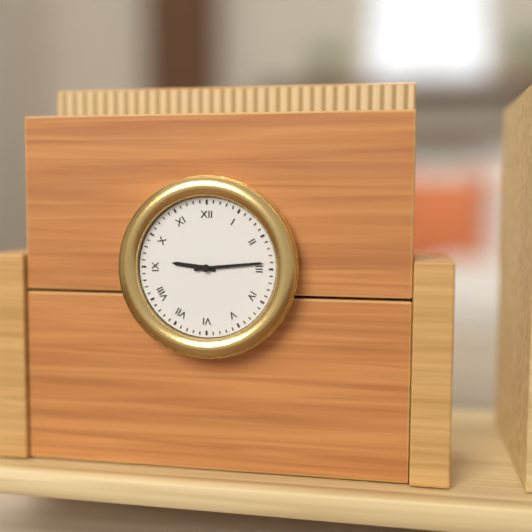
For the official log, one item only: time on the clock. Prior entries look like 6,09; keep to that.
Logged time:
9,14
